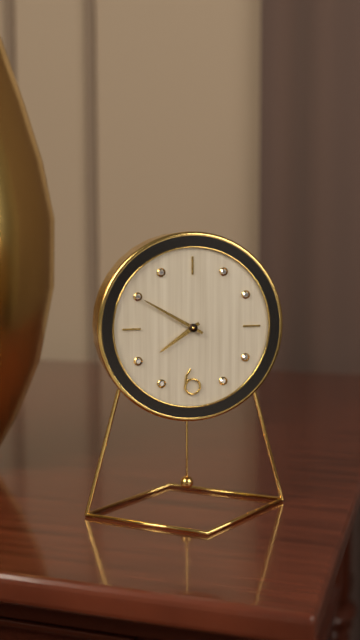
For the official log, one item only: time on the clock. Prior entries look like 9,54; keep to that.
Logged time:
7,50
